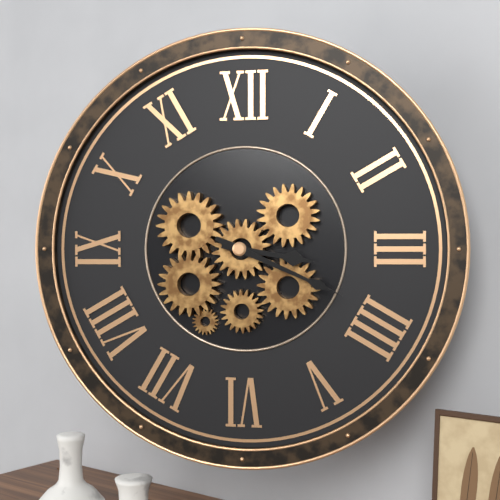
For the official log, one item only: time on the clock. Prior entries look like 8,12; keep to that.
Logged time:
3,19
